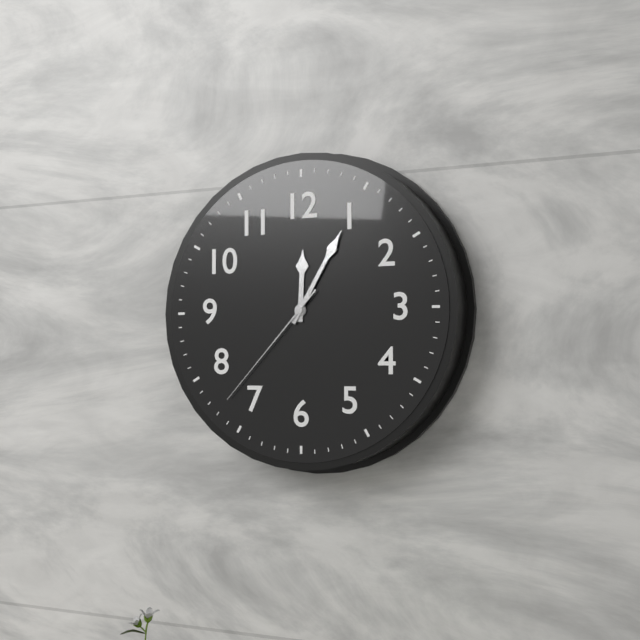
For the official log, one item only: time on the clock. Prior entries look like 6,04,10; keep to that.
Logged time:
12,05,37
